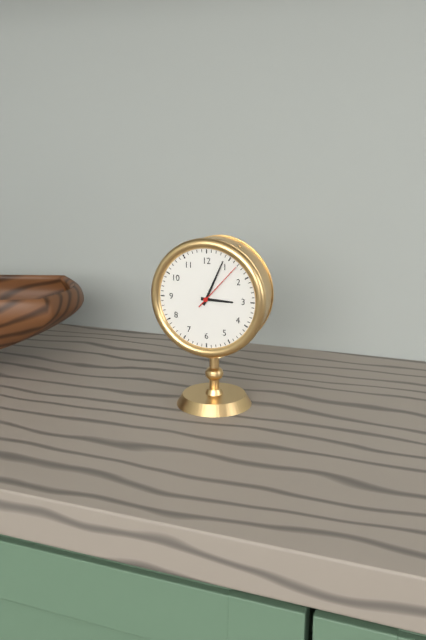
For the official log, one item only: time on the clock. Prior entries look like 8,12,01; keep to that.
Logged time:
3,04,07
